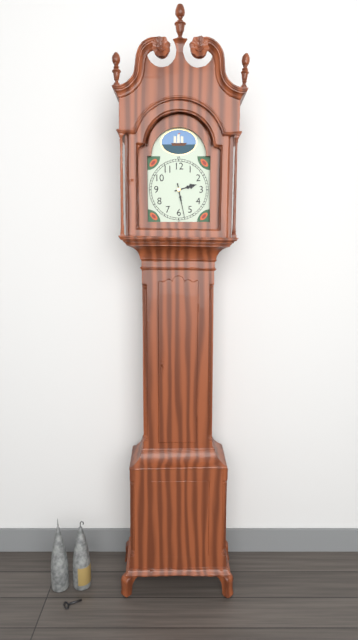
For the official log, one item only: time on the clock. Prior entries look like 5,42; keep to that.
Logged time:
2,28
